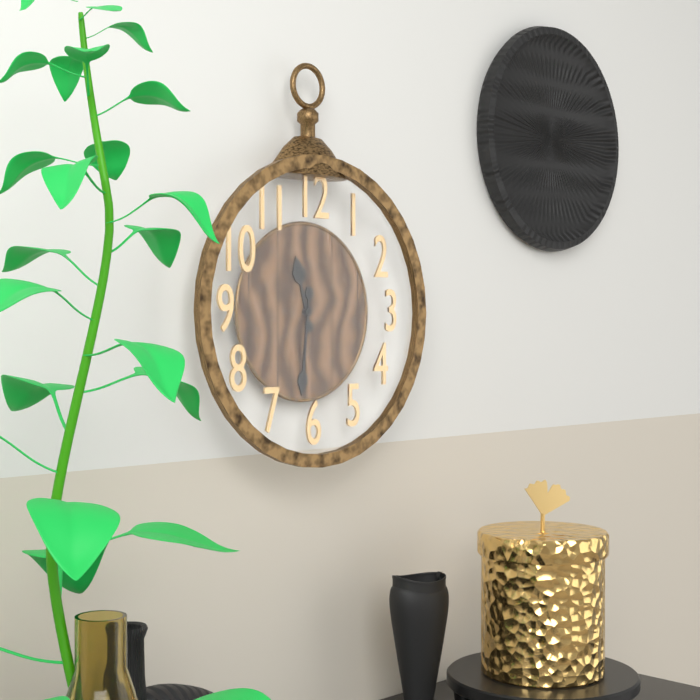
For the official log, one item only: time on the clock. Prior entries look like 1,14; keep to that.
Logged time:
11,31
